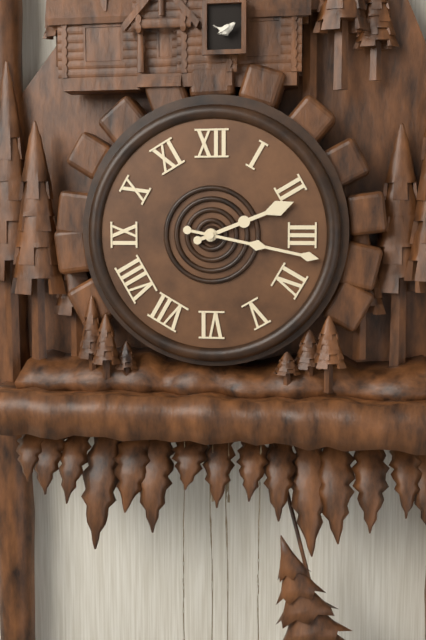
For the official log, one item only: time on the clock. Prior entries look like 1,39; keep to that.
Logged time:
2,17
